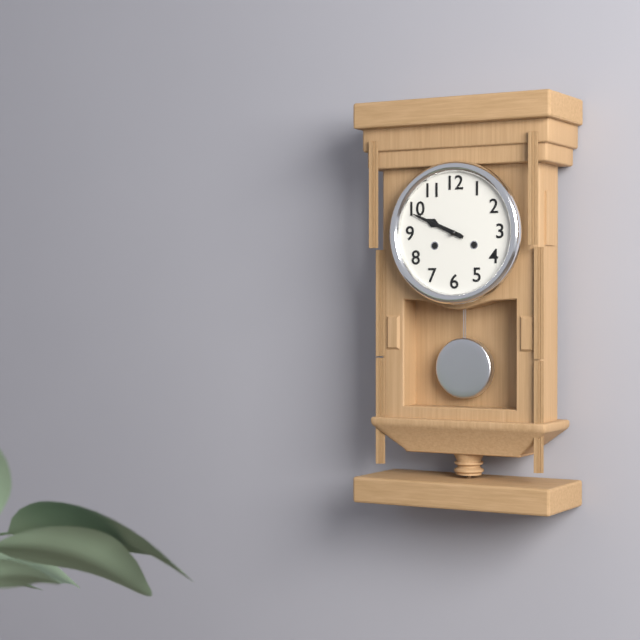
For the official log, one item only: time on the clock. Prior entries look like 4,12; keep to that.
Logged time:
9,49
